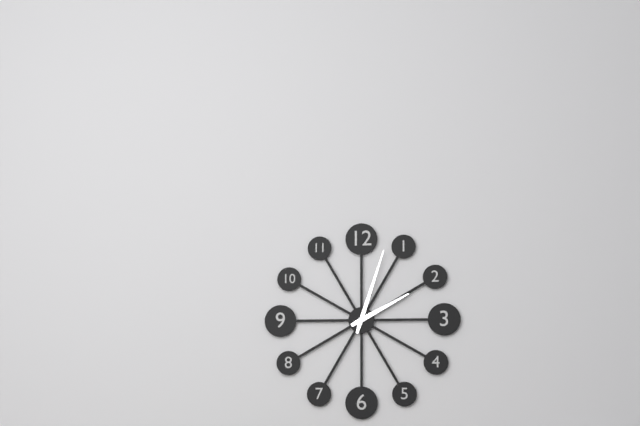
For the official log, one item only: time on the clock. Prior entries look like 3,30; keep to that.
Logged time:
2,03
